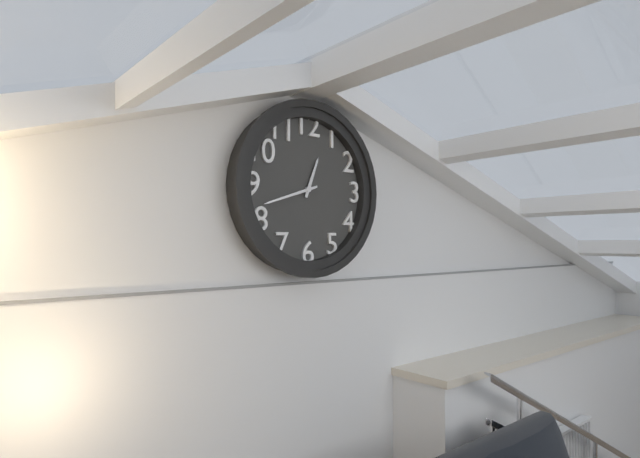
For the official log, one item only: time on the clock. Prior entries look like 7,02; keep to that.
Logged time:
12,42
